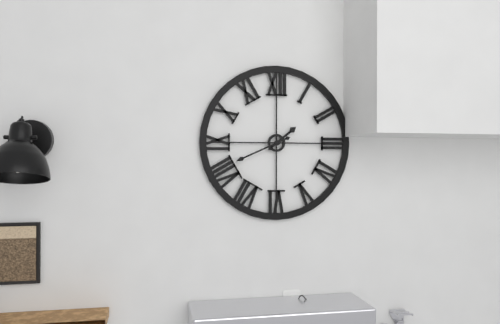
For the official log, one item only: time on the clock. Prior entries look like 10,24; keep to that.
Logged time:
1,41
